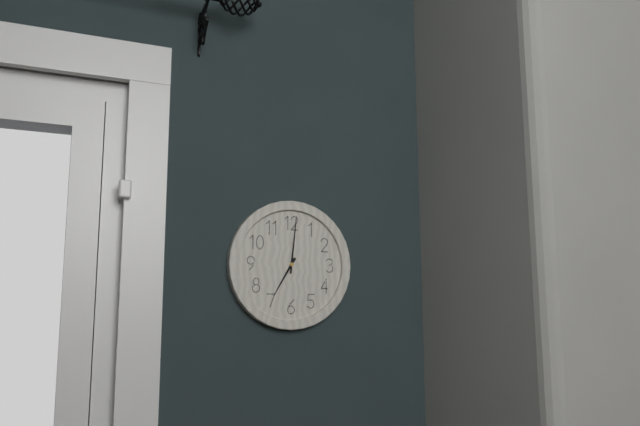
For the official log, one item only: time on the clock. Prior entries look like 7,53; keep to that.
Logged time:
7,01
